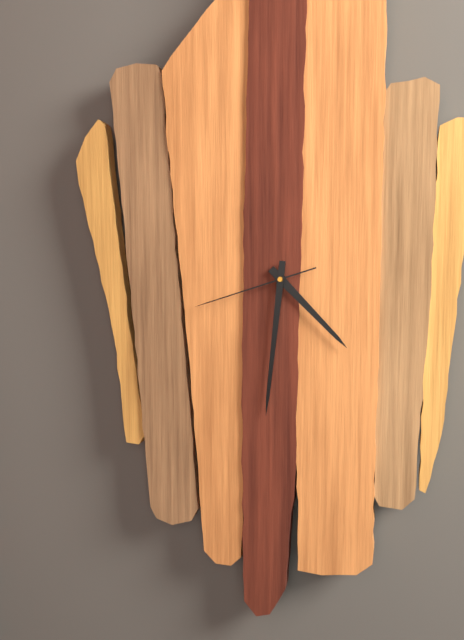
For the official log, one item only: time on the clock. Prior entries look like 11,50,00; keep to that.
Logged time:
4,31,42
